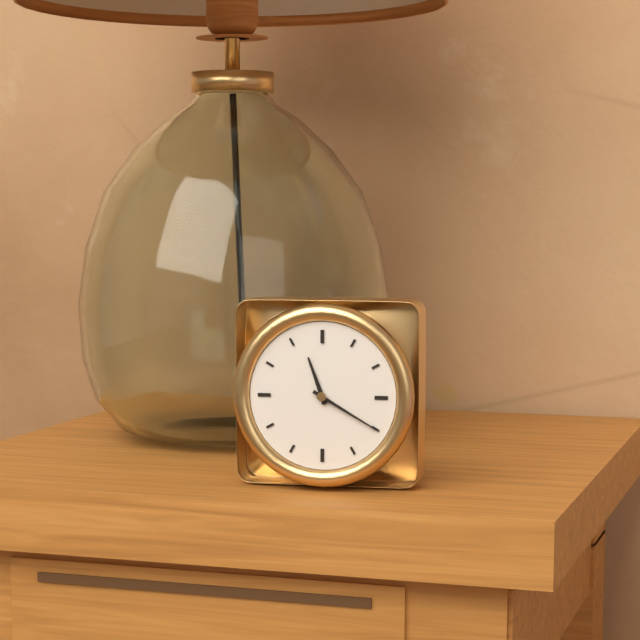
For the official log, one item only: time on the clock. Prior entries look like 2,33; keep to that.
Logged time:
11,20
